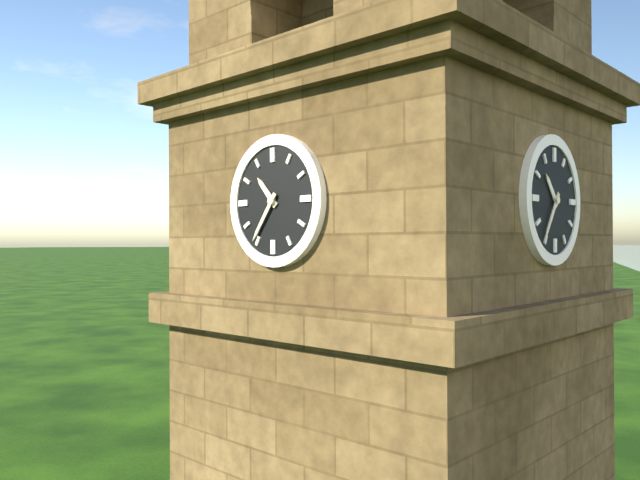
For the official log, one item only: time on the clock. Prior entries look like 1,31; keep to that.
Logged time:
10,36
